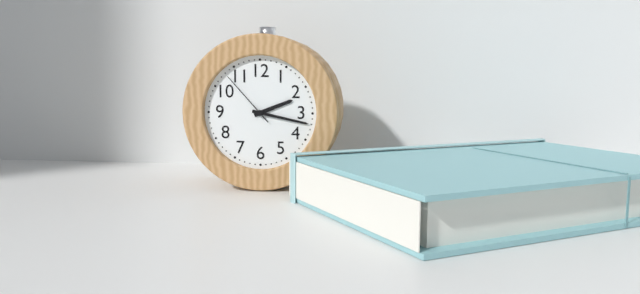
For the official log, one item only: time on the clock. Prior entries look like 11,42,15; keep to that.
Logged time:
2,17,53
